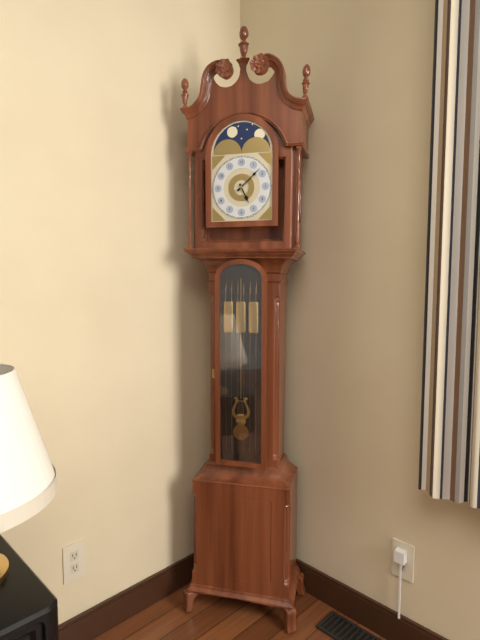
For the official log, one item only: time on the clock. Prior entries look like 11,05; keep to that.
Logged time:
5,08
